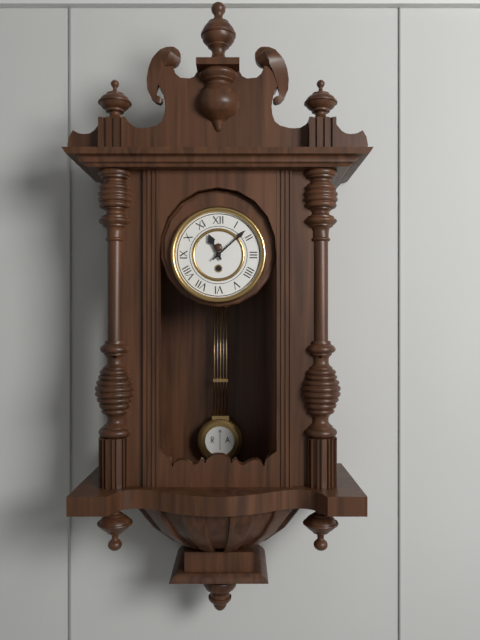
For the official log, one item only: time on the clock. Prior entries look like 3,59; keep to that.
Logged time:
11,08
